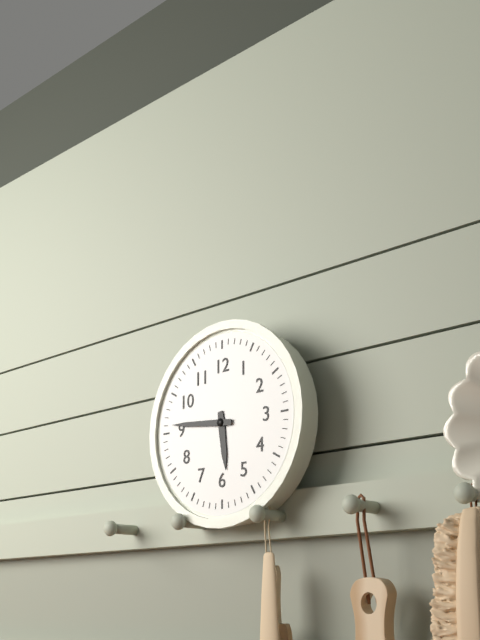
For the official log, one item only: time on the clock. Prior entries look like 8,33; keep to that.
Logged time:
5,46
